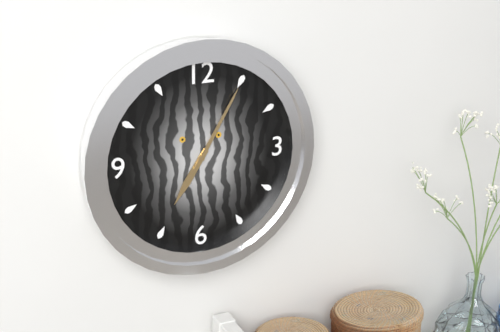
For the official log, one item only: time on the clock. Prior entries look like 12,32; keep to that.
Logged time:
7,05
